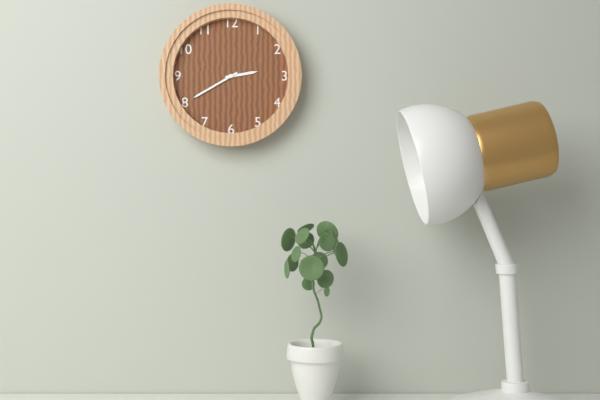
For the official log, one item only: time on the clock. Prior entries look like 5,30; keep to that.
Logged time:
2,40
